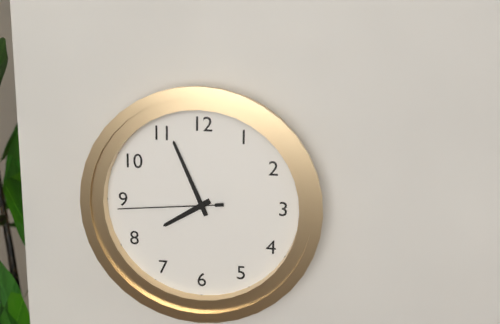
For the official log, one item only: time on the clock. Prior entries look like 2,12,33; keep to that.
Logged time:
7,56,44
